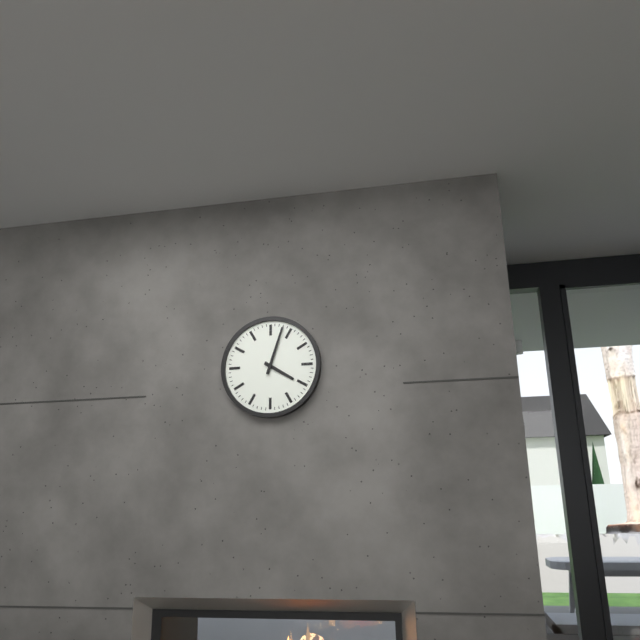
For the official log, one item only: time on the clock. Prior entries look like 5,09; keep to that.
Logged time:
4,03
